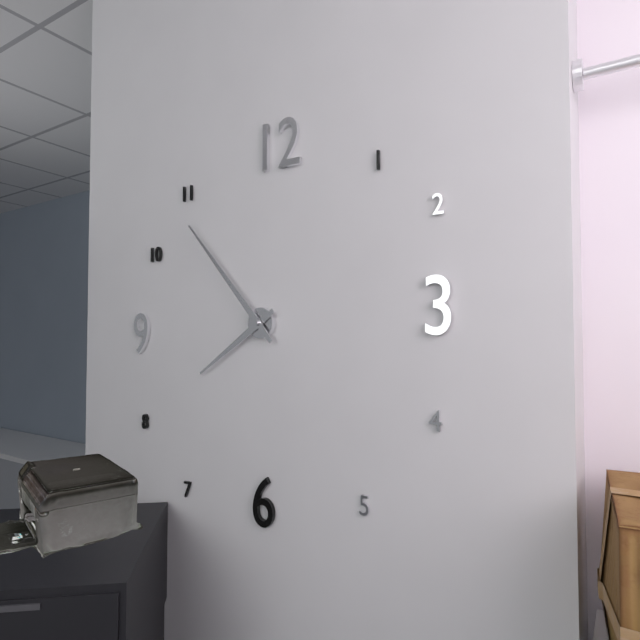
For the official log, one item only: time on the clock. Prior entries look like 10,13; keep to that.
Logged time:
7,53
